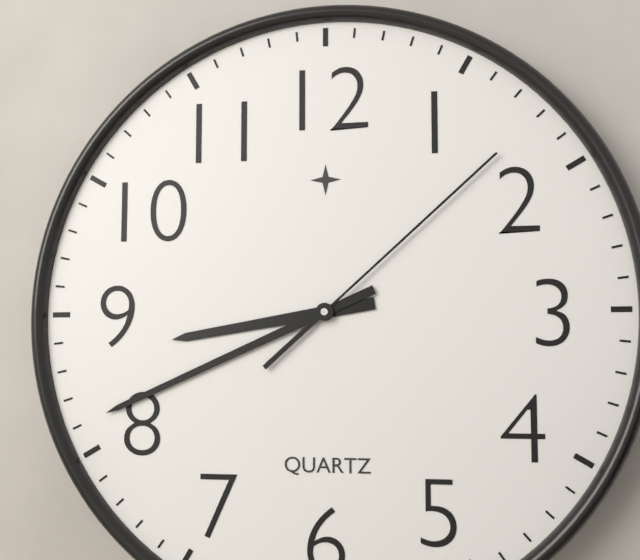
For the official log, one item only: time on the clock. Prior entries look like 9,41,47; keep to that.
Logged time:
8,41,08
